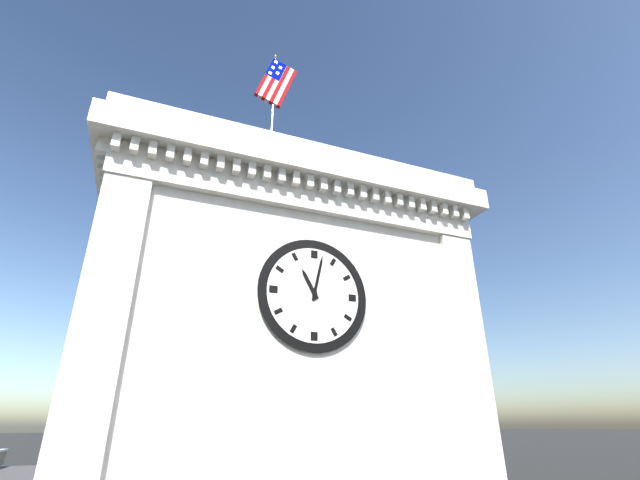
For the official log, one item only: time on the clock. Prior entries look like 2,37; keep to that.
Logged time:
11,02
